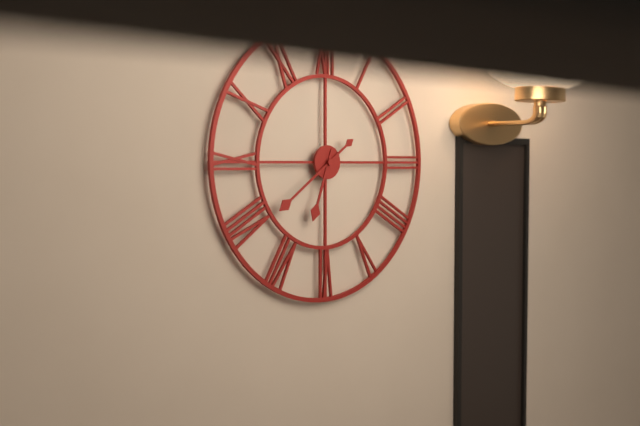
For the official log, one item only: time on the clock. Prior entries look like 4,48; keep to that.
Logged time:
6,39
